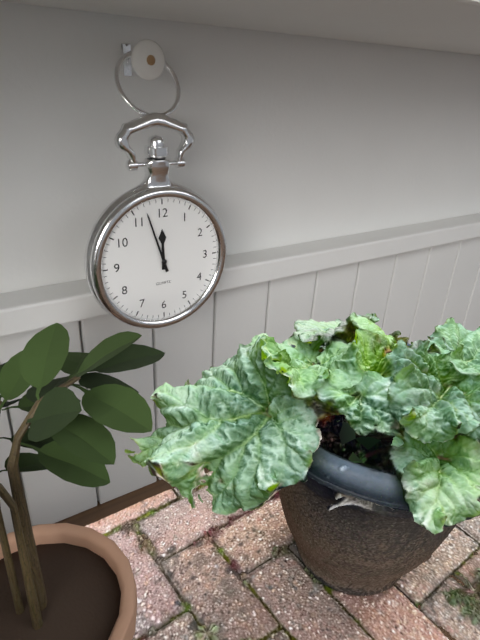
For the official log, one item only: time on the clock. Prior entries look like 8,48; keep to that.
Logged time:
11,57
